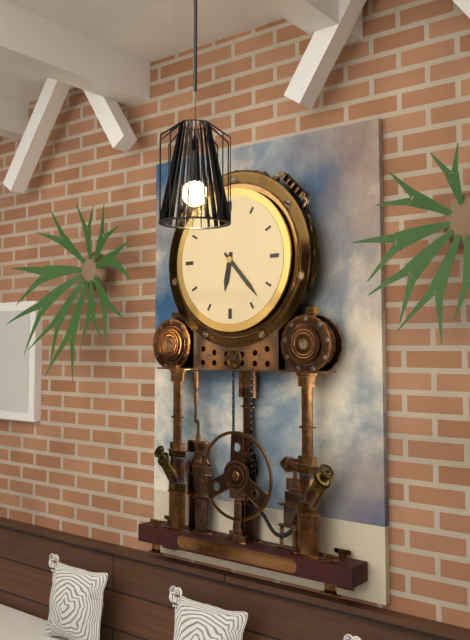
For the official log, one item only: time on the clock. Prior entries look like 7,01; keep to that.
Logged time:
6,23
